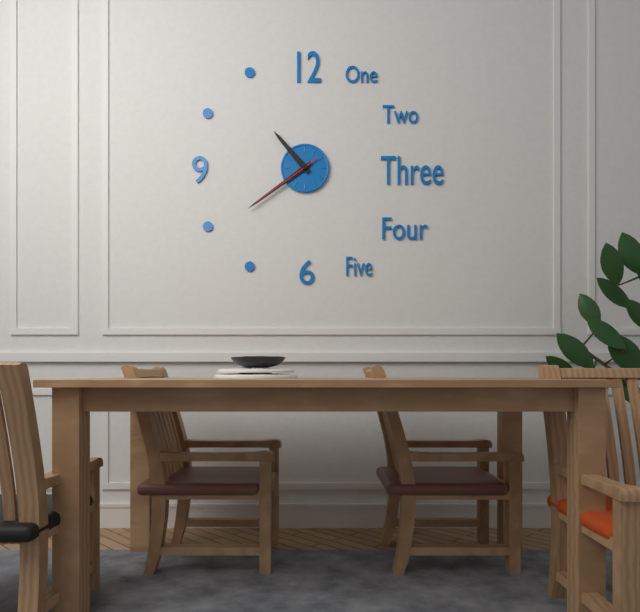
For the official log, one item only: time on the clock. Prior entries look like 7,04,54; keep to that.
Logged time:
10,39,39
